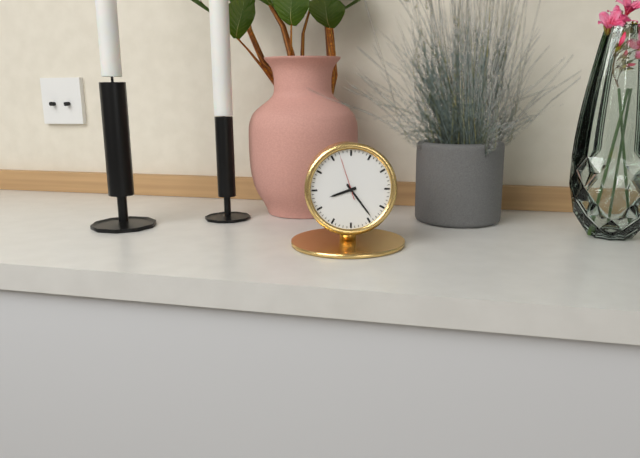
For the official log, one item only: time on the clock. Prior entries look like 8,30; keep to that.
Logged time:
8,24
